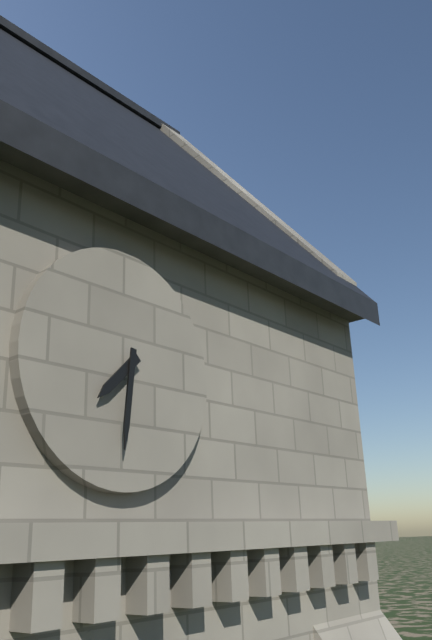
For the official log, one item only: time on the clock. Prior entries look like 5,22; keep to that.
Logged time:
7,31
